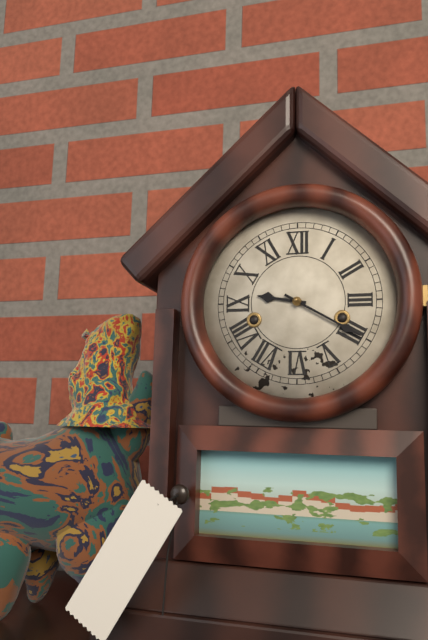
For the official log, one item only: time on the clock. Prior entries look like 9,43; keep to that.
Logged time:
9,20
